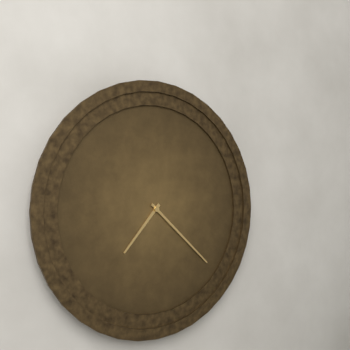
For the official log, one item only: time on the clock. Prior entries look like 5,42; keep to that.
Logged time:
7,22
